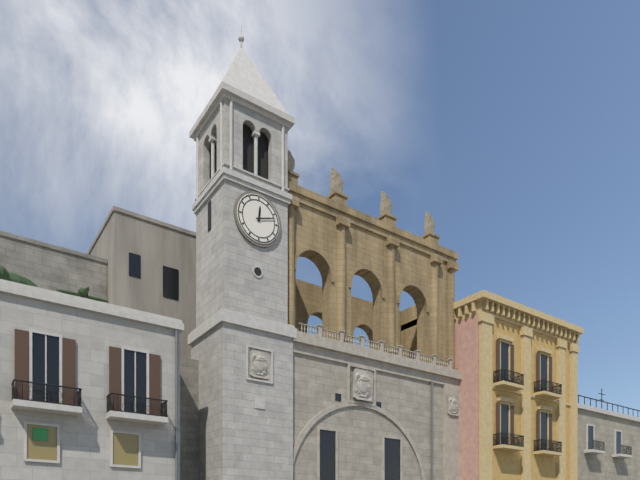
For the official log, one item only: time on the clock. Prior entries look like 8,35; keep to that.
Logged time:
12,12
